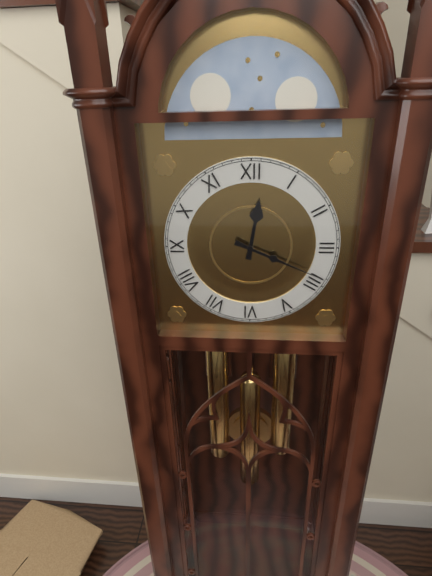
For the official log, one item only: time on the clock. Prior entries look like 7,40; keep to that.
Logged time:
12,19
